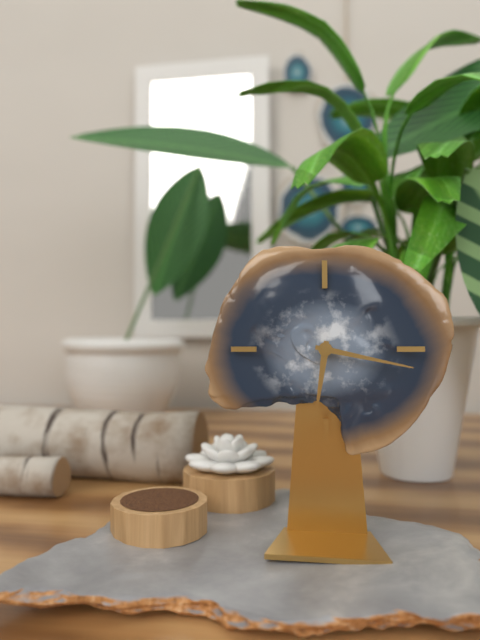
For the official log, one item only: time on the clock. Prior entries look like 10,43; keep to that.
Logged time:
6,17
